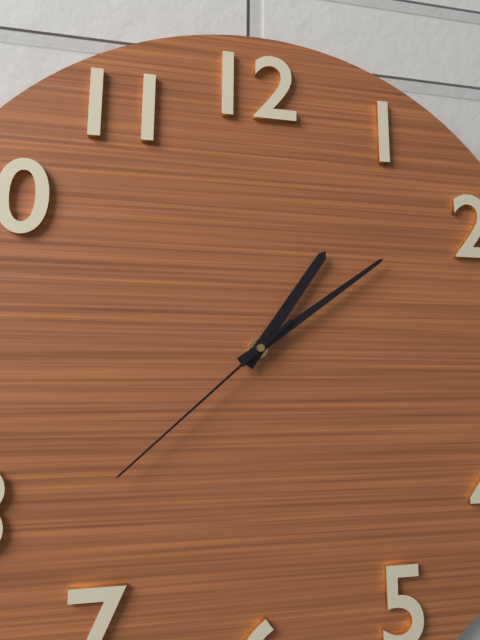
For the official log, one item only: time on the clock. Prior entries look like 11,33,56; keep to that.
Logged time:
1,09,38
